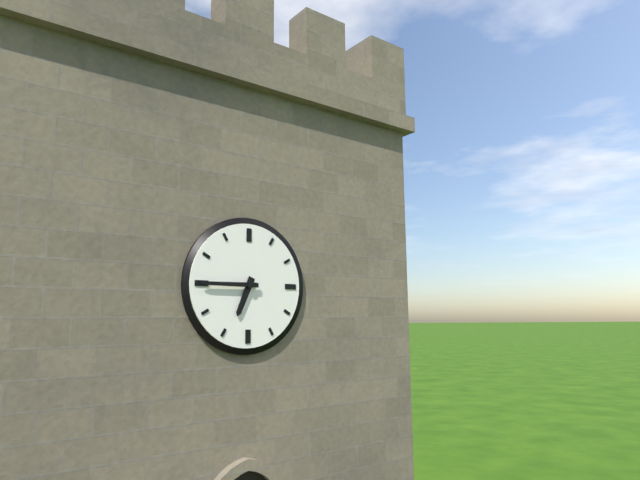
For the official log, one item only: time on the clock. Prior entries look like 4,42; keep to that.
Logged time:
6,45
